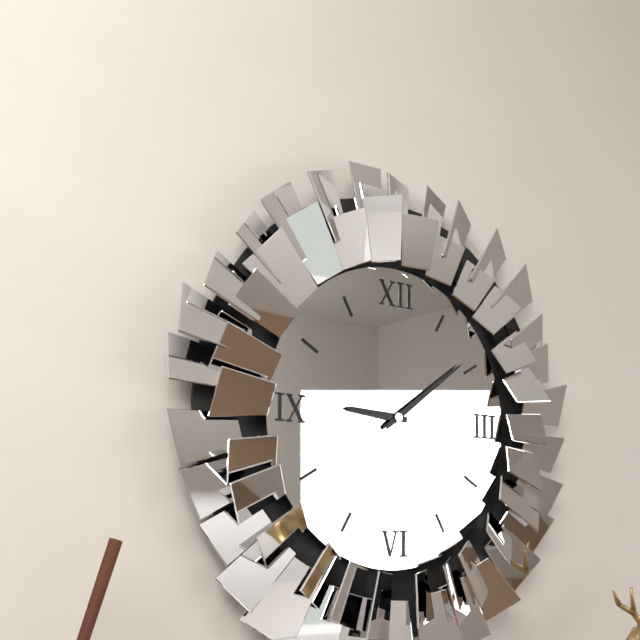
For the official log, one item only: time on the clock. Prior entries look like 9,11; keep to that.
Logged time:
9,09
